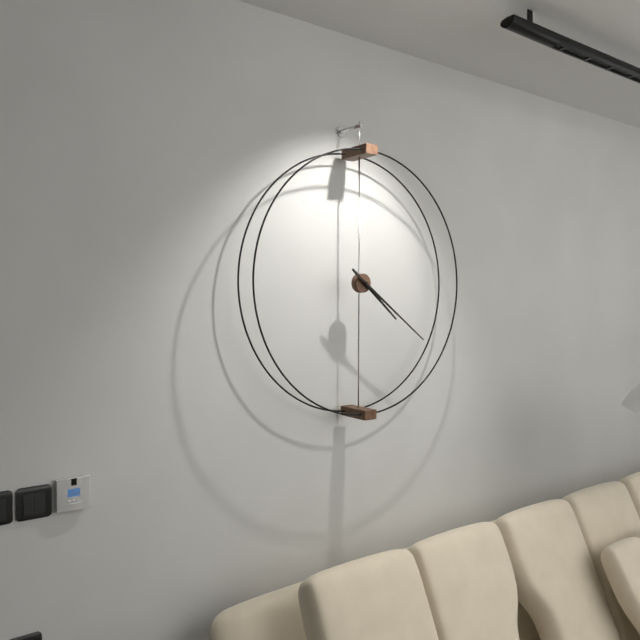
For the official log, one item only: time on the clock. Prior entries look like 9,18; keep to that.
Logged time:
4,21
